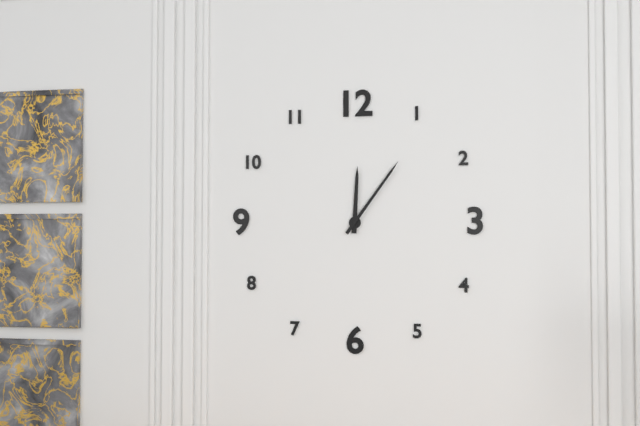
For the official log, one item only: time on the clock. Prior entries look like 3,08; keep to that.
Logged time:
12,06
